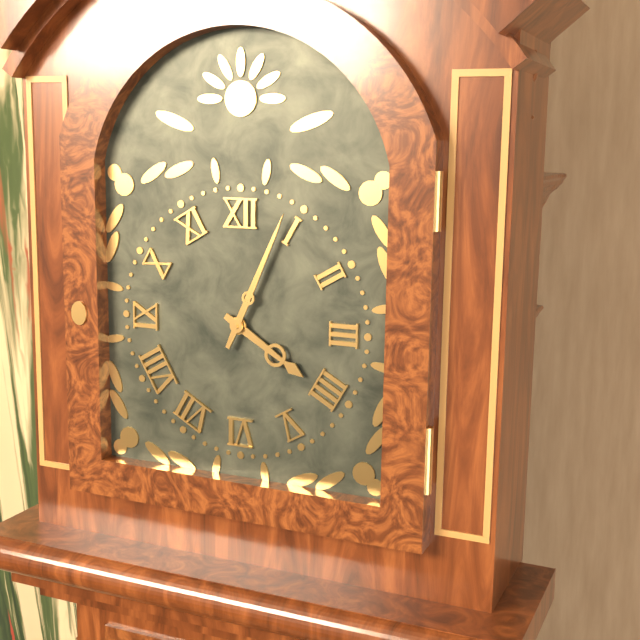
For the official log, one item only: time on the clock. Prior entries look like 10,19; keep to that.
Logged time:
4,04
